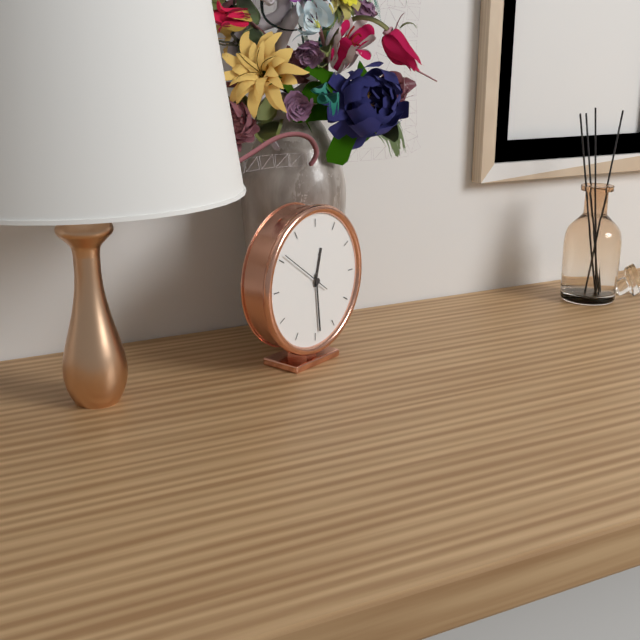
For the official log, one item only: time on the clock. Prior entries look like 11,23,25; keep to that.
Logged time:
12,29,51
